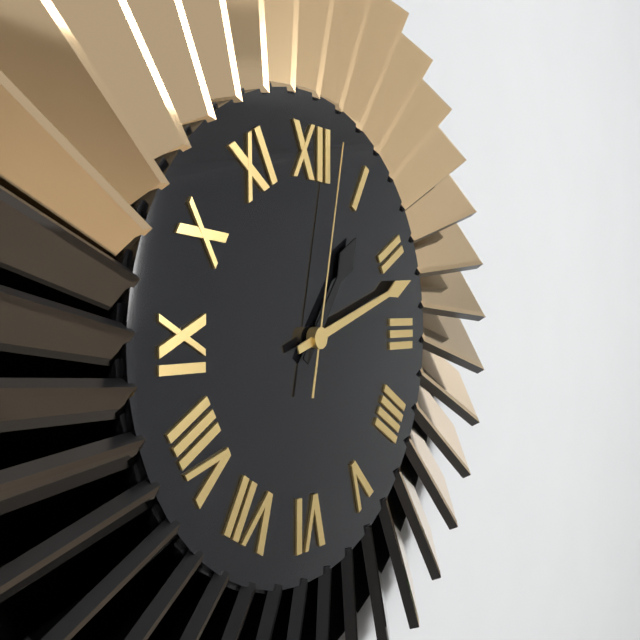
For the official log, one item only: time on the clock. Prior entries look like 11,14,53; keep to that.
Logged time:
1,12,02
